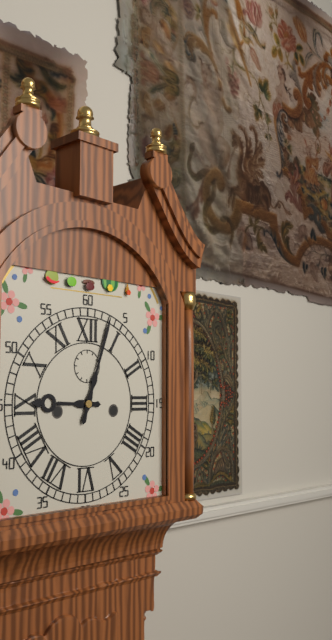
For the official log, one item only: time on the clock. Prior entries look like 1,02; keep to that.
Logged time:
9,03
